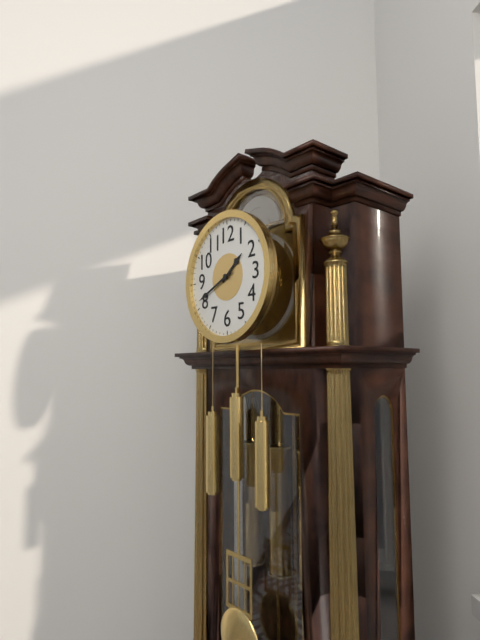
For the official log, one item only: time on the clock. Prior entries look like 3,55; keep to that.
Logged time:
1,41
